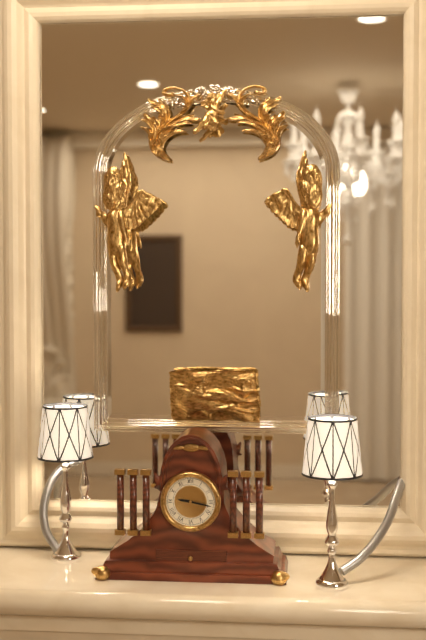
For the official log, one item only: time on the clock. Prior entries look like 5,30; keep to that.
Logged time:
9,17
